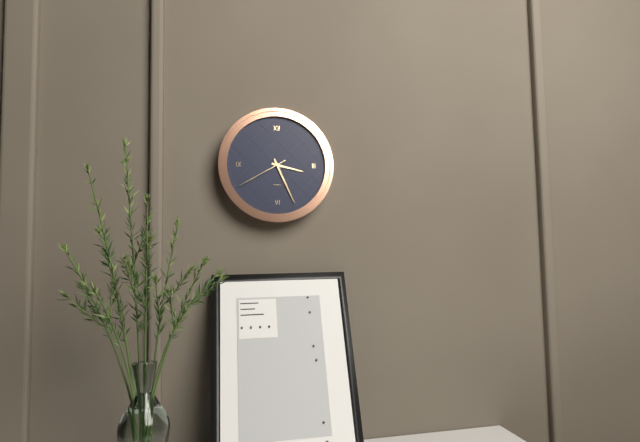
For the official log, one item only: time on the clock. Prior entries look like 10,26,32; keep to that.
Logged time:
3,26,40
